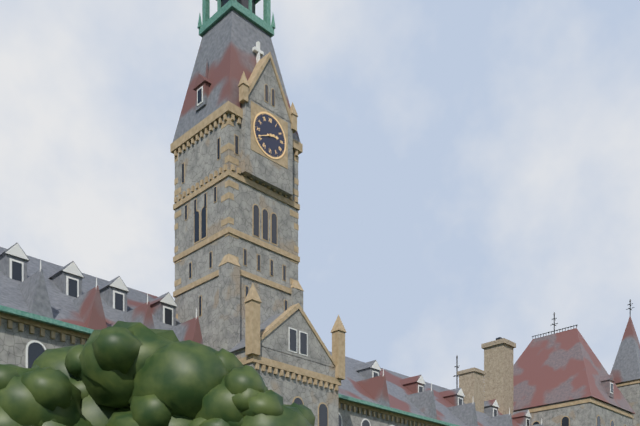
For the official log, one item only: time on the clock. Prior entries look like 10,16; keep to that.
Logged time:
2,41
